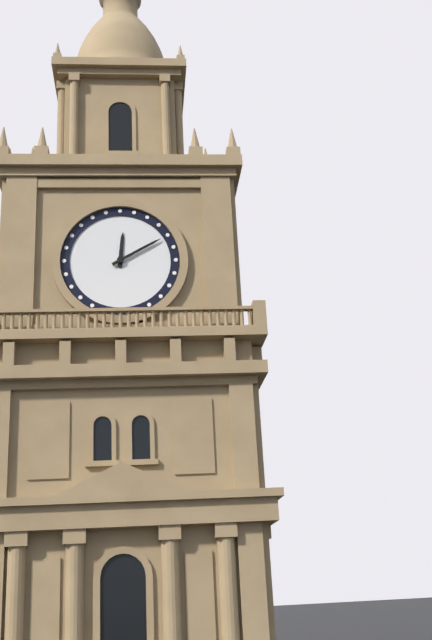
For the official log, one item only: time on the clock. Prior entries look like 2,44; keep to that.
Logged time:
12,10
